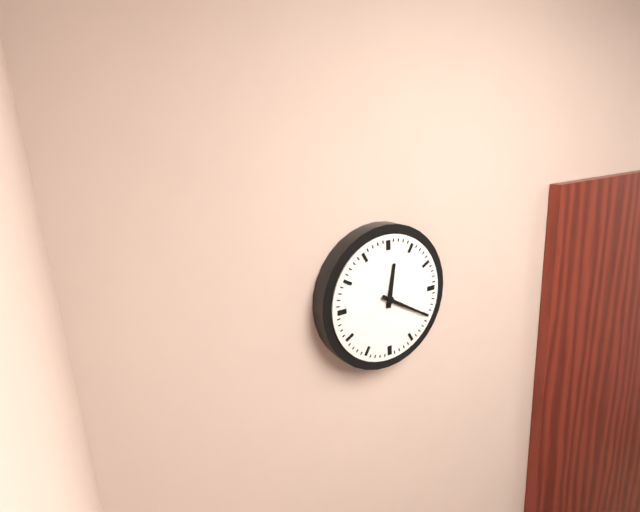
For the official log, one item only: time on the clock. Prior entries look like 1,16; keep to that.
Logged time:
12,20
